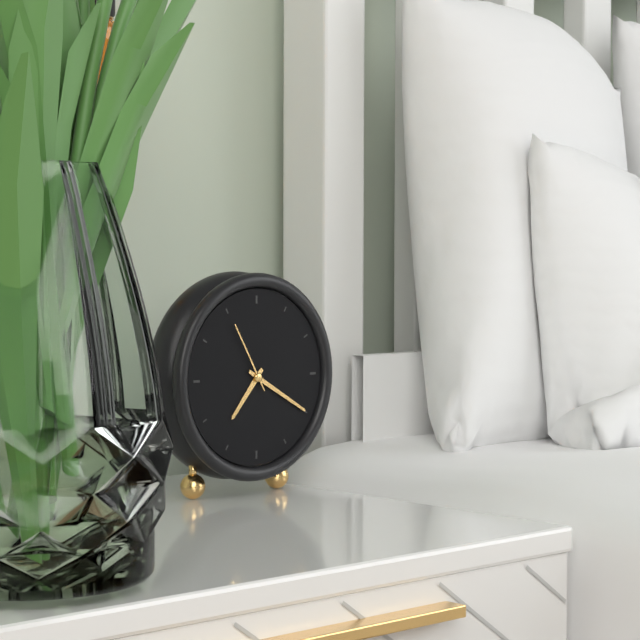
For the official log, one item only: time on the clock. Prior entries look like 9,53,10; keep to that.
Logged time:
7,20,55
